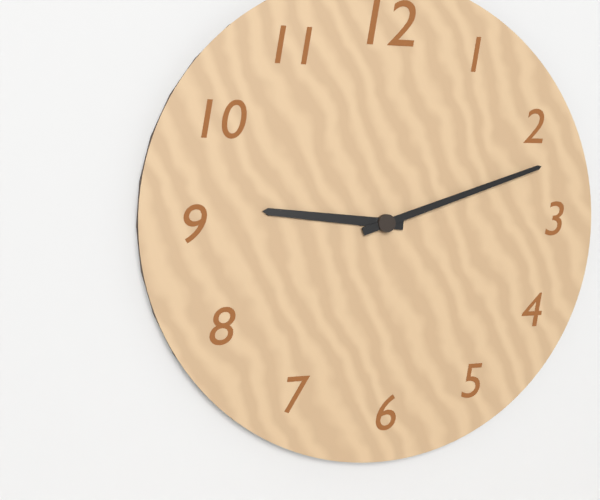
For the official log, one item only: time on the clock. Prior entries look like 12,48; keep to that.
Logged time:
9,12
